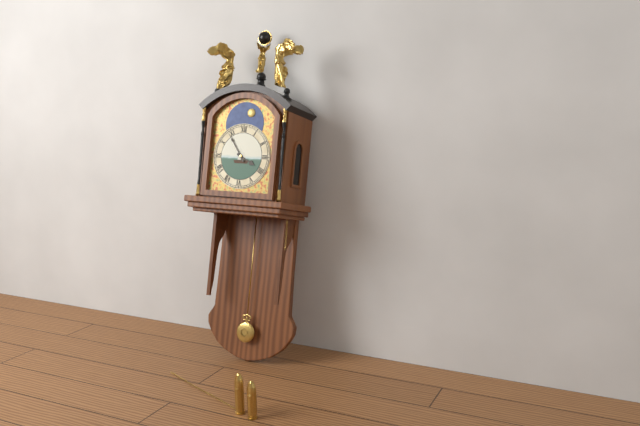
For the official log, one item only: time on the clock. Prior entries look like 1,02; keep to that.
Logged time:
3,54
